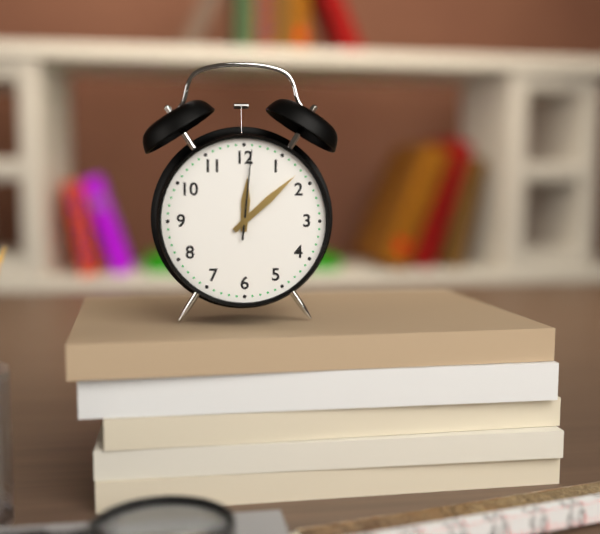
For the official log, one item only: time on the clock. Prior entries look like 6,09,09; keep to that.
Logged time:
12,08,01
